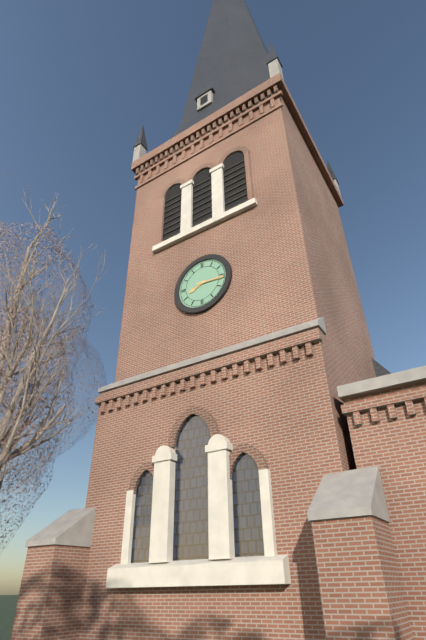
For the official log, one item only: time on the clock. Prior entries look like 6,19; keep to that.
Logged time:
8,16
